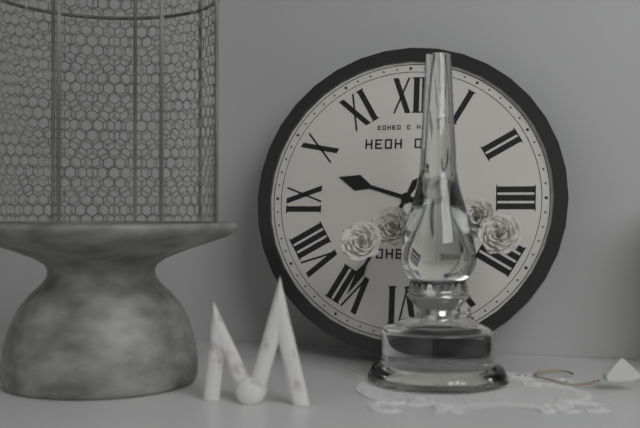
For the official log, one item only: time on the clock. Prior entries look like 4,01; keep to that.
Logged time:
9,35
